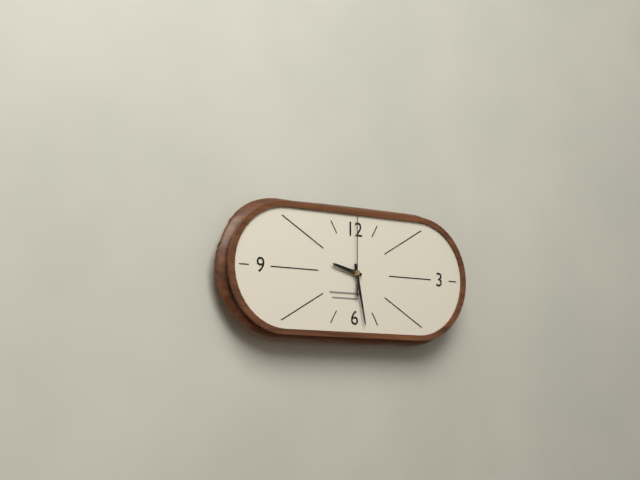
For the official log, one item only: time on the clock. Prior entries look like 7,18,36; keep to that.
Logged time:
9,28,00
